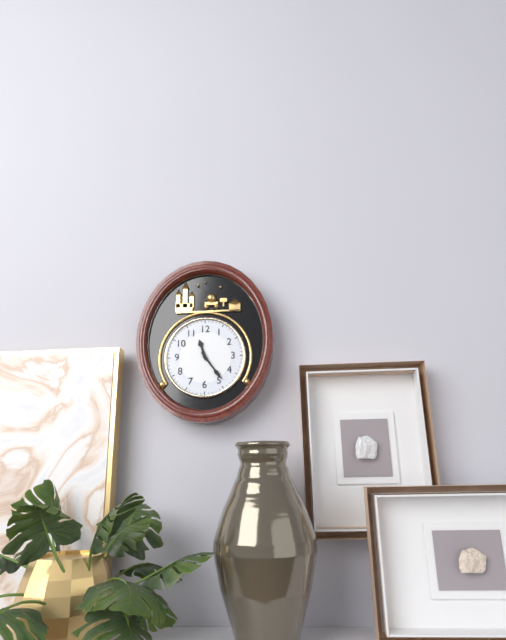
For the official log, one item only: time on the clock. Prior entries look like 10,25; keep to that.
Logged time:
11,24
